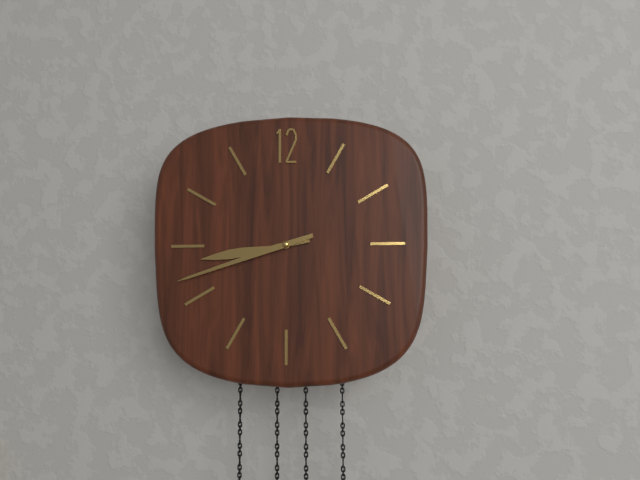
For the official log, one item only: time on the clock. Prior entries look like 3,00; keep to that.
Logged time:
8,42
